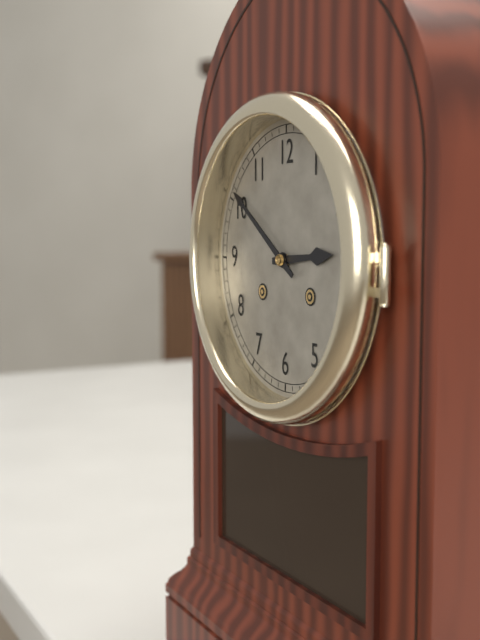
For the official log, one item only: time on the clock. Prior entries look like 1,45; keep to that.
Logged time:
2,51
